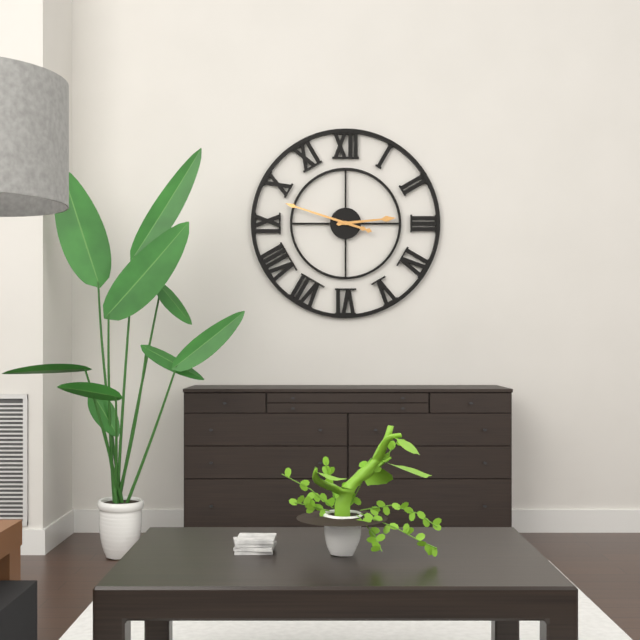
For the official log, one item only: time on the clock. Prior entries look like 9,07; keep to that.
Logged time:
2,48
